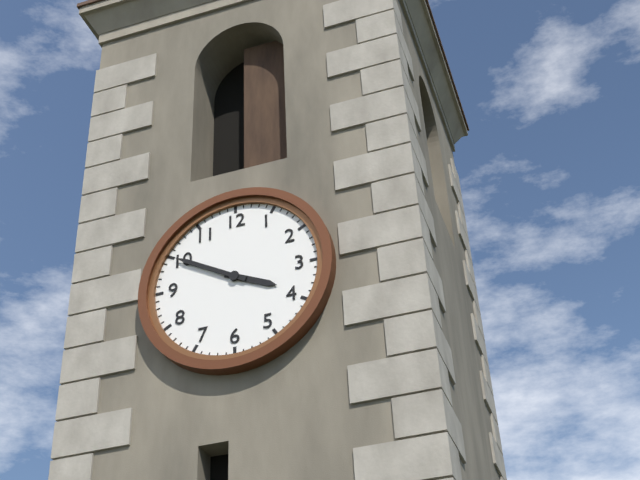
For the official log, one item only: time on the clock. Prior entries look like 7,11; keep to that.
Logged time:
3,50
